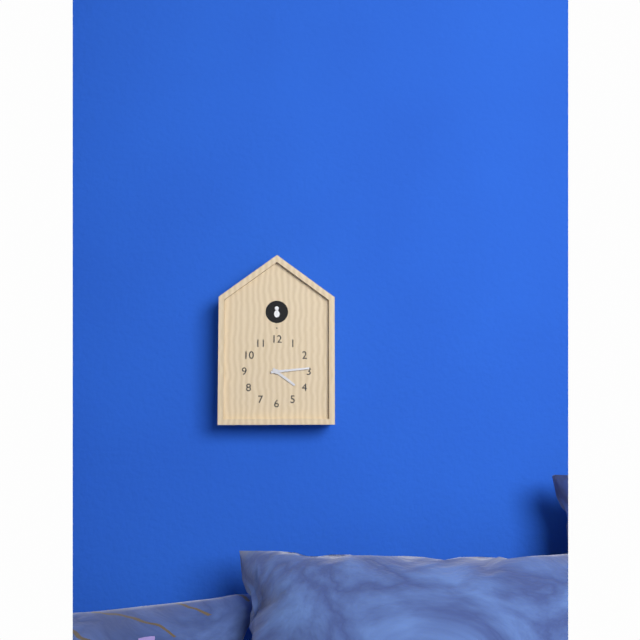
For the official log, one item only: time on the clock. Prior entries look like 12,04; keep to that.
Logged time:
4,14
